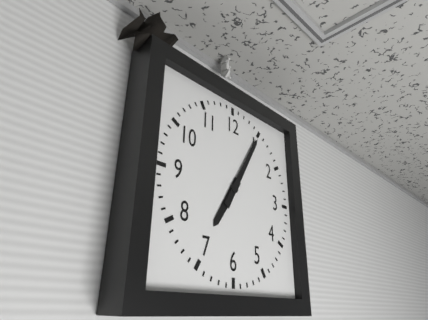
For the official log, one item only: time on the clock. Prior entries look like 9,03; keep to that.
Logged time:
7,05
